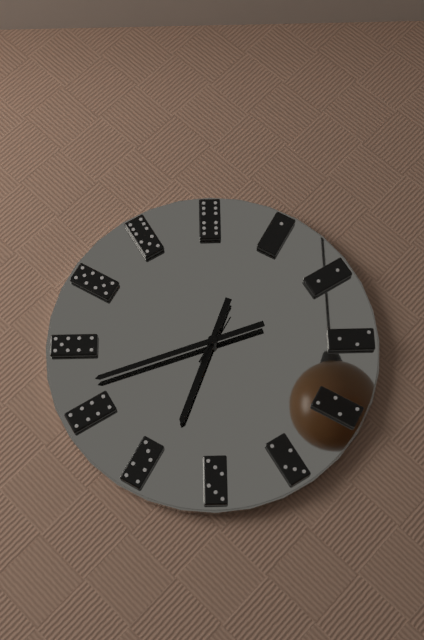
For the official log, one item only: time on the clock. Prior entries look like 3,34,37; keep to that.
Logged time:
6,42,05
